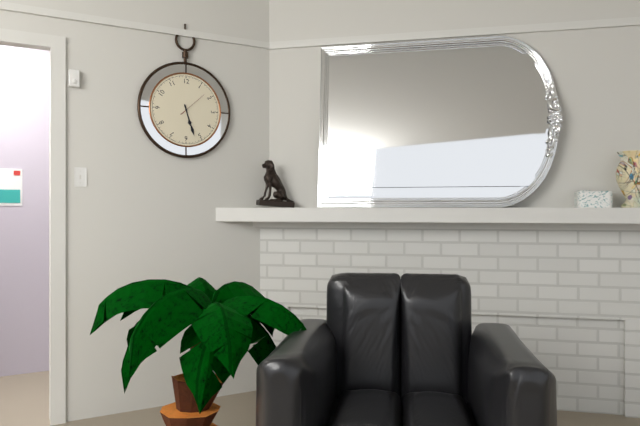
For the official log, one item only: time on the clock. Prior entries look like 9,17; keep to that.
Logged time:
5,27
